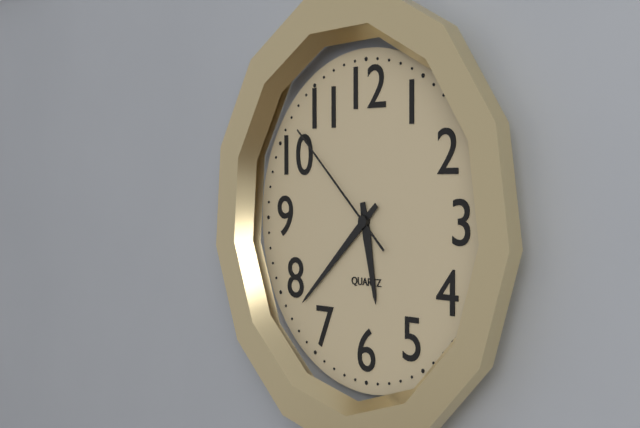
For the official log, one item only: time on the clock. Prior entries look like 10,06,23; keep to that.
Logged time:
5,38,52
